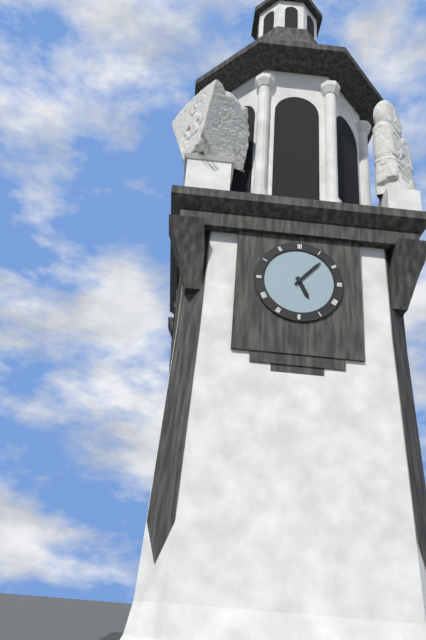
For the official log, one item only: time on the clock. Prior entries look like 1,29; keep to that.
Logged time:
5,07
